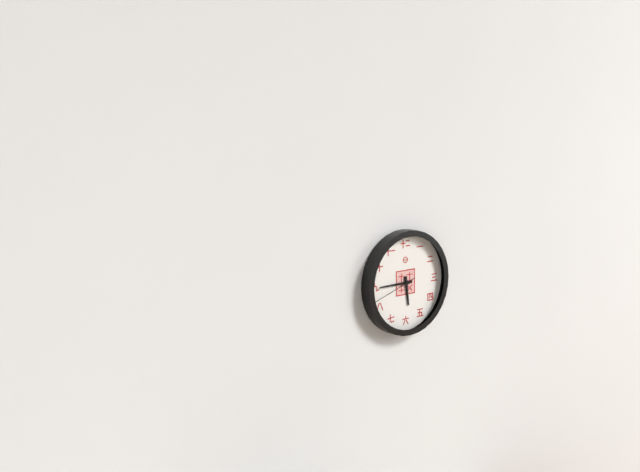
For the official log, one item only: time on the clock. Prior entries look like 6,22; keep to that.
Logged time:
5,45
